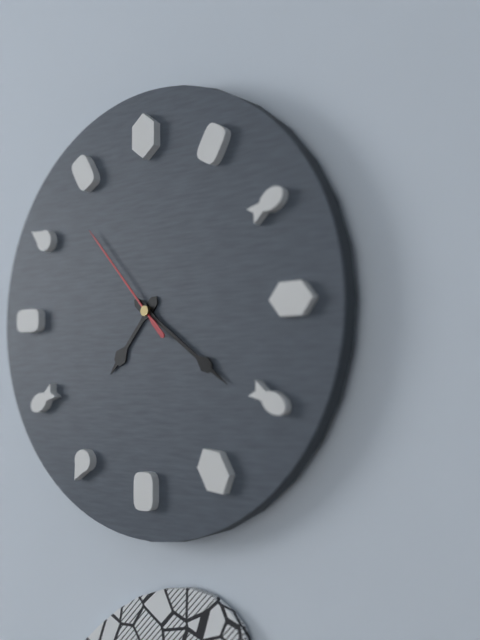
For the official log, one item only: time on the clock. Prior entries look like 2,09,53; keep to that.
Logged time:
7,21,53
